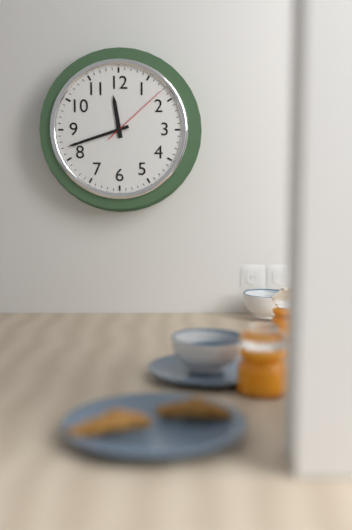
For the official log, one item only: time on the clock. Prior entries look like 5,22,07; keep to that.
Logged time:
11,42,08
